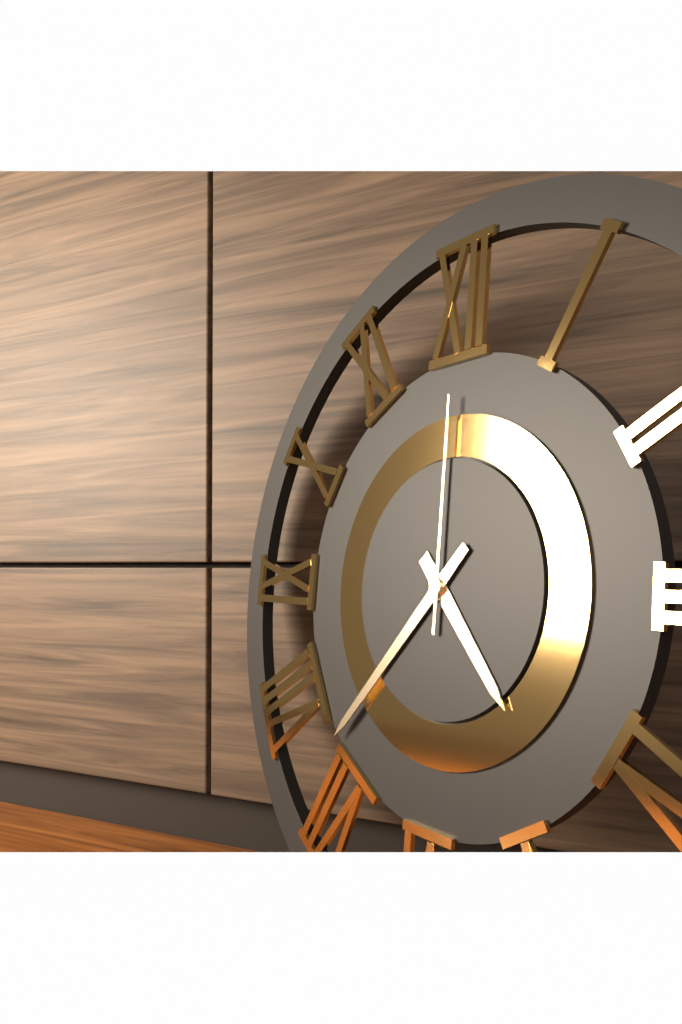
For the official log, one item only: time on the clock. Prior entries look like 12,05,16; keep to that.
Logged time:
4,37,00
